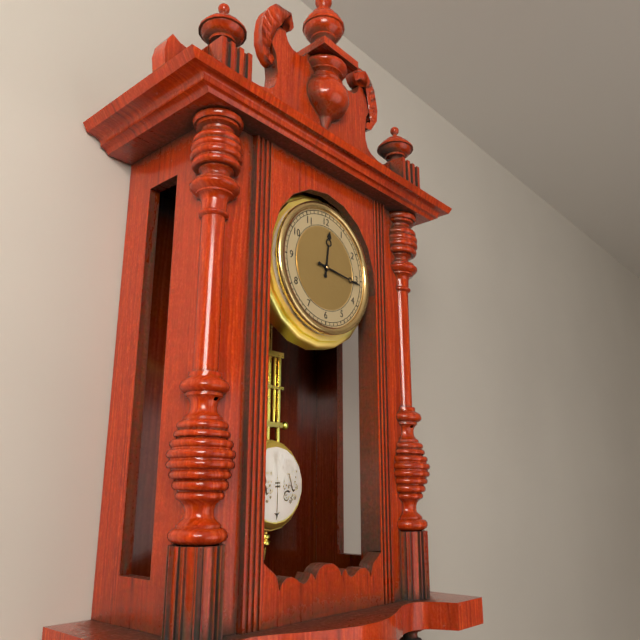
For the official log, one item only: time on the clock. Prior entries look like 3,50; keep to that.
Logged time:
12,16
